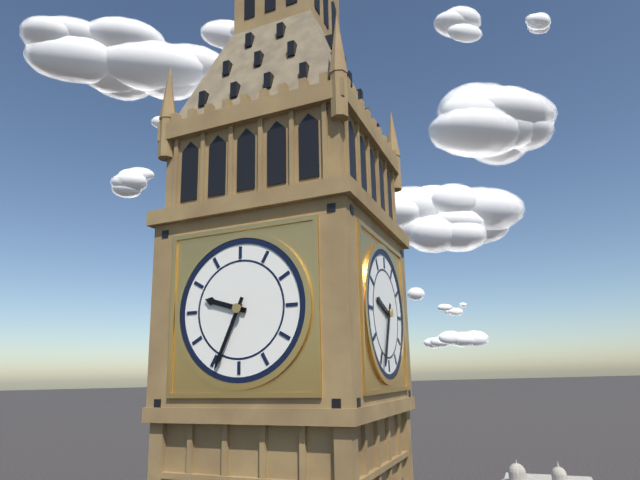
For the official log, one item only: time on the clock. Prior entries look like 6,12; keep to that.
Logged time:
9,34
